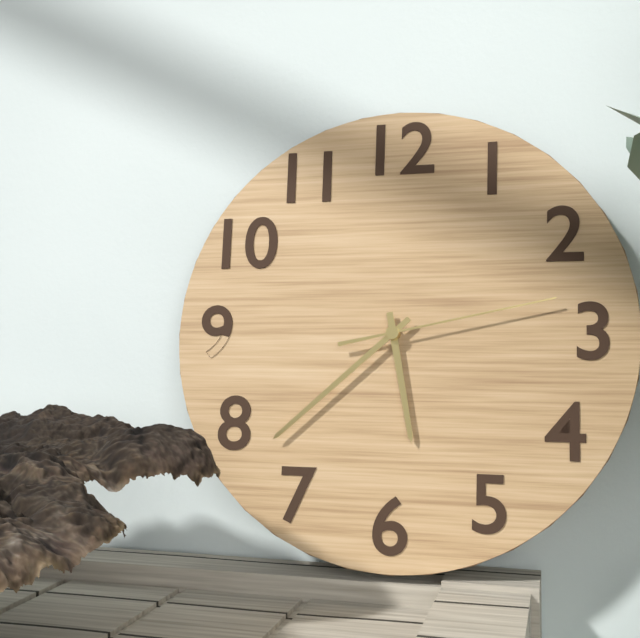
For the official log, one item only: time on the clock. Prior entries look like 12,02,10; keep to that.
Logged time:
5,38,13
